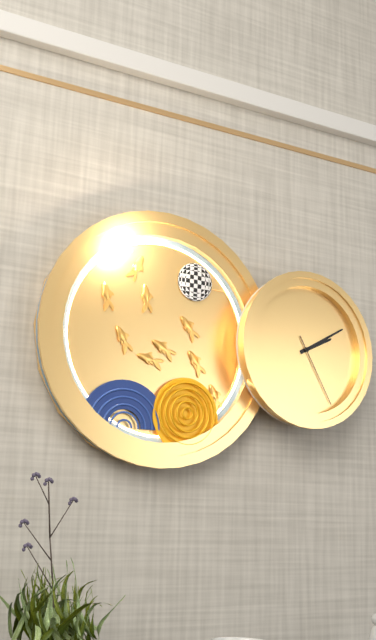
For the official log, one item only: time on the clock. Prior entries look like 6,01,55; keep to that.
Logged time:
2,10,25
